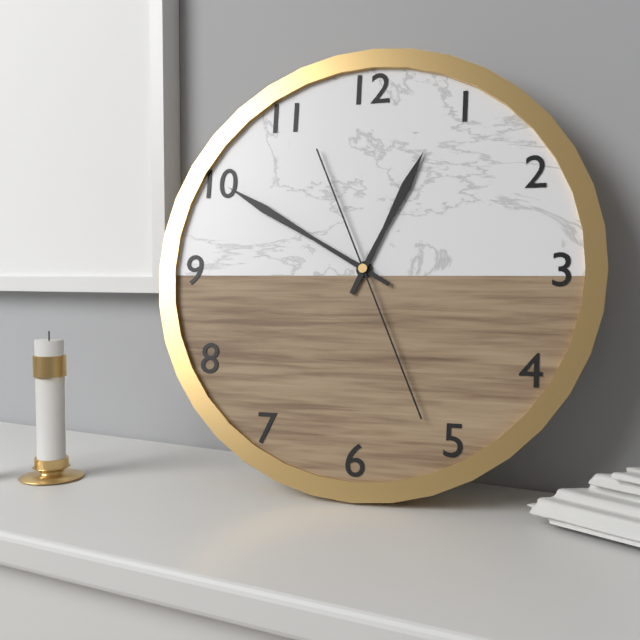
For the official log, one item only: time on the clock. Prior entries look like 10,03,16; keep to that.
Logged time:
12,50,26
